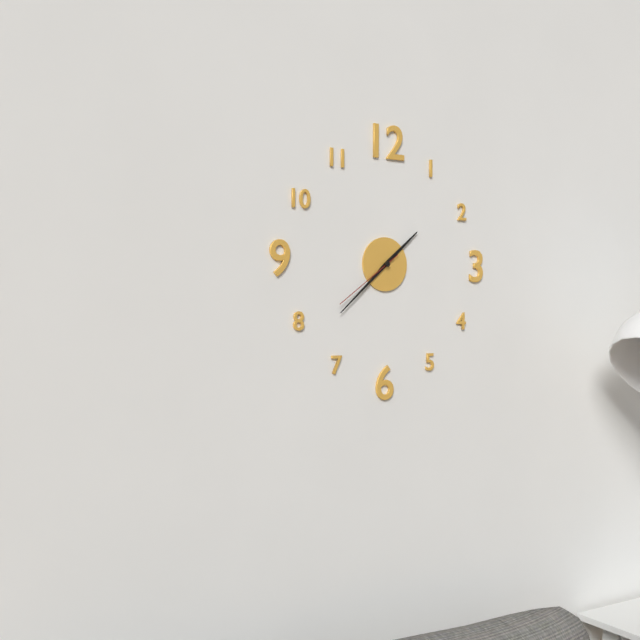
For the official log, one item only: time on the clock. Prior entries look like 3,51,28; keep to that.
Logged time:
1,38,39
